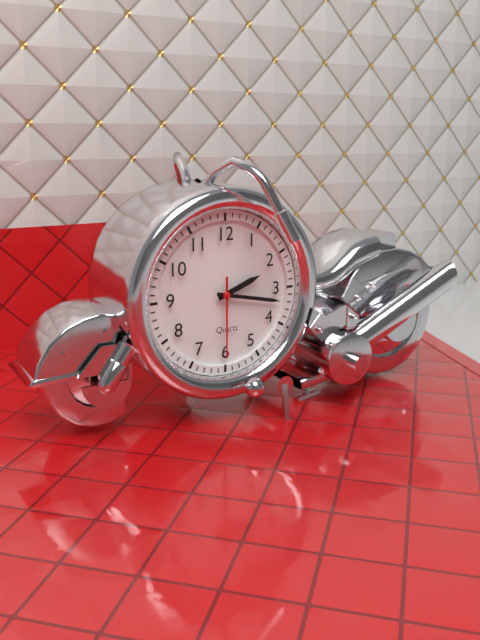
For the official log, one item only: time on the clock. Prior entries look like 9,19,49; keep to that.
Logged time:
2,17,30
